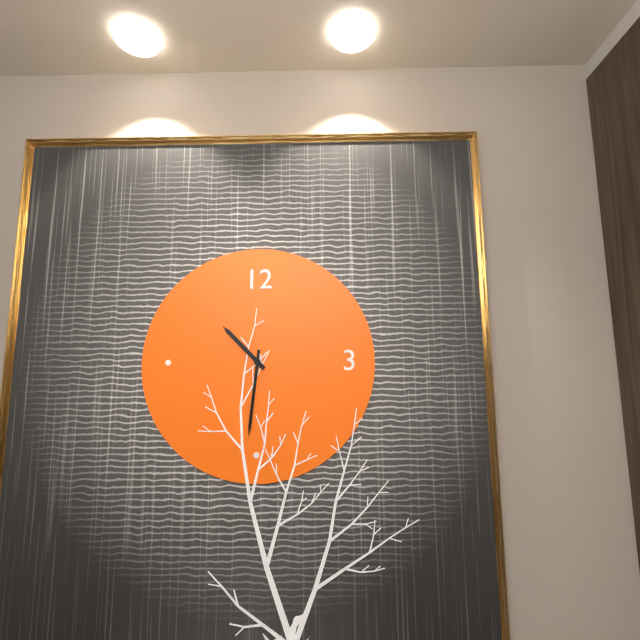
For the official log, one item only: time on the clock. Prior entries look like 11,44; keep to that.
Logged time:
10,31
